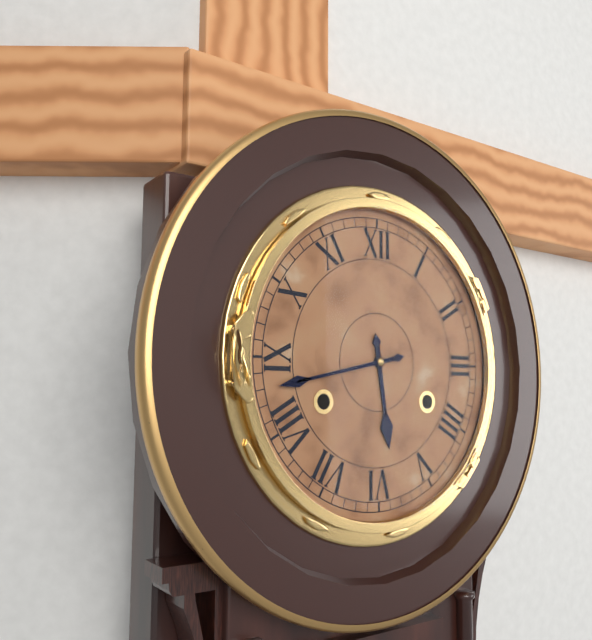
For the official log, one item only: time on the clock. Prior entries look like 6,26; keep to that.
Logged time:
5,43
